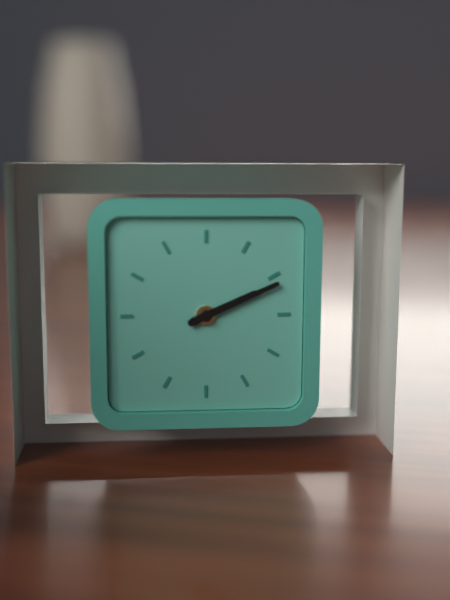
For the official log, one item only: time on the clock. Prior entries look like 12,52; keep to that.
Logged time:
2,11
